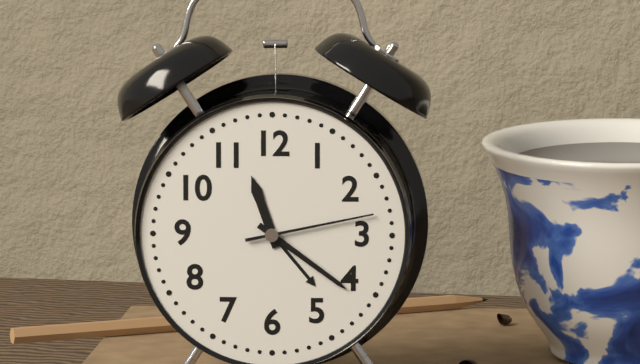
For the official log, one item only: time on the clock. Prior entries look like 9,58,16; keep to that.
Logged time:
11,21,13
